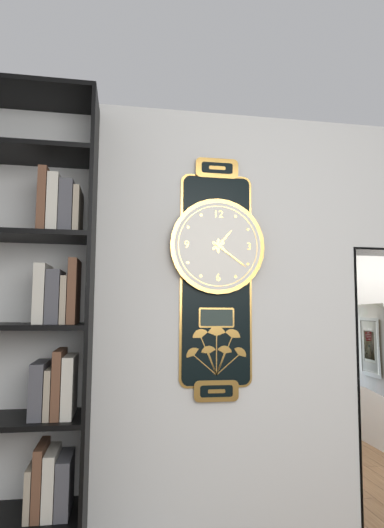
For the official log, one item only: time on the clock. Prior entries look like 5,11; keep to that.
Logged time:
1,21
